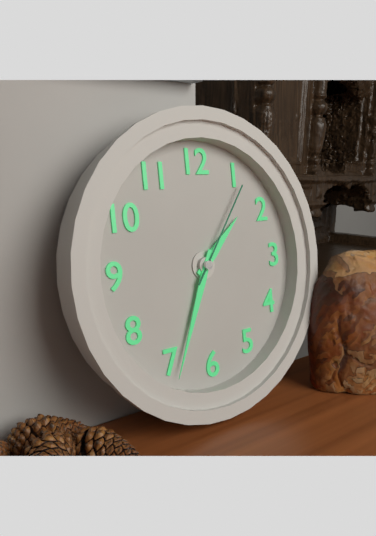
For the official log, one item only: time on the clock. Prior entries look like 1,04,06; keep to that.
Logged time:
1,34,06
